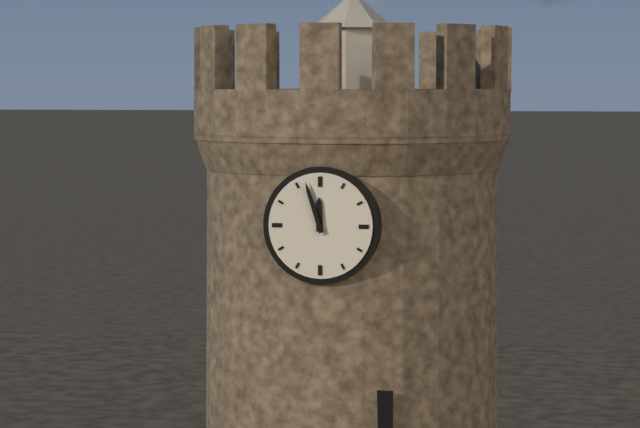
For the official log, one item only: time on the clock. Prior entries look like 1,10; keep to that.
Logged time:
11,57
